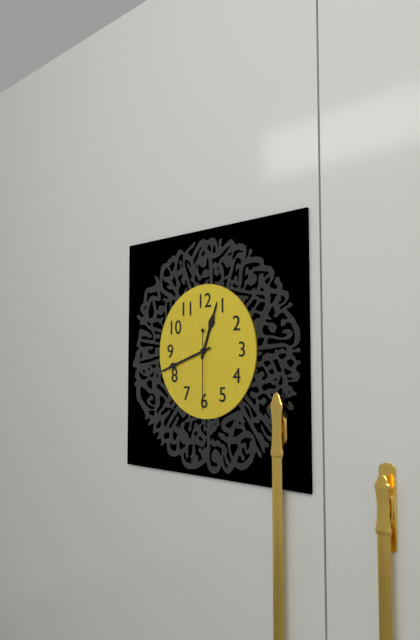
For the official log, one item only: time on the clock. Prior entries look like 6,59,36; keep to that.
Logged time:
12,42,30
